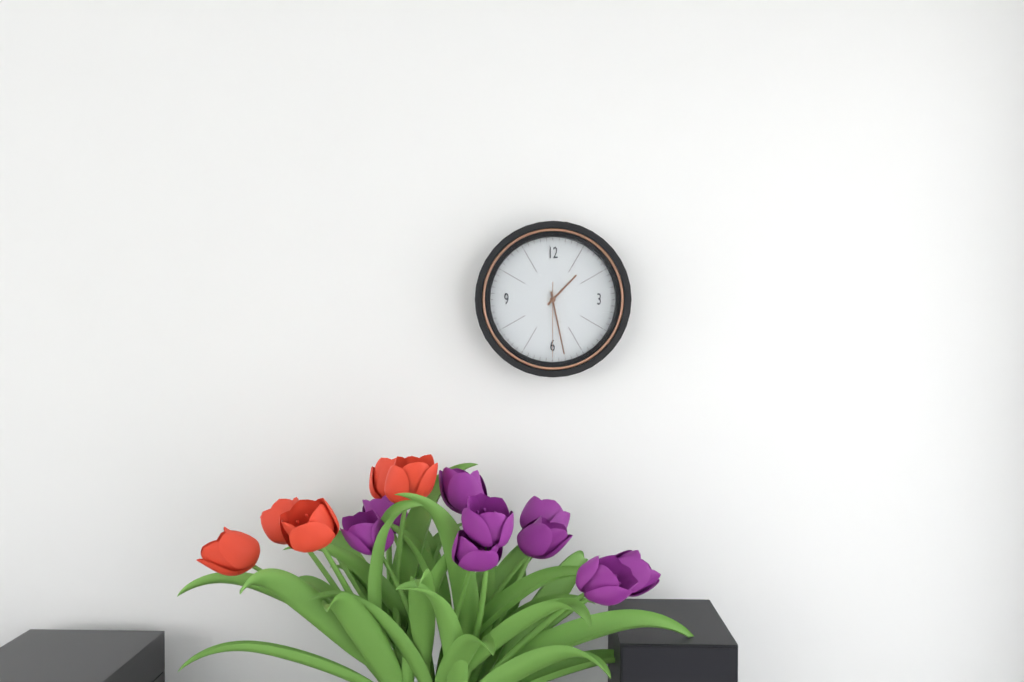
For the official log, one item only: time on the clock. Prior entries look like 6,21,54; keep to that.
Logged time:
1,28,30
